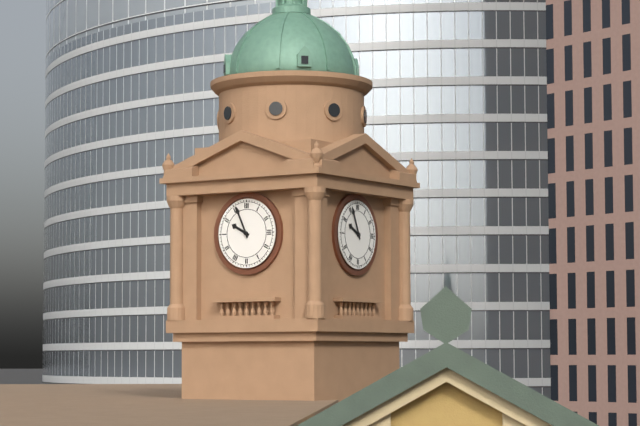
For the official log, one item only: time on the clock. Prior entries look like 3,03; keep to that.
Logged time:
9,56
